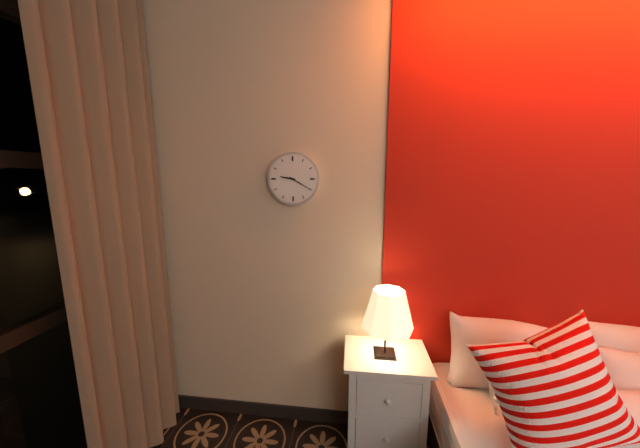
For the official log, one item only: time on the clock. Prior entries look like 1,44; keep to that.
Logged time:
9,20
